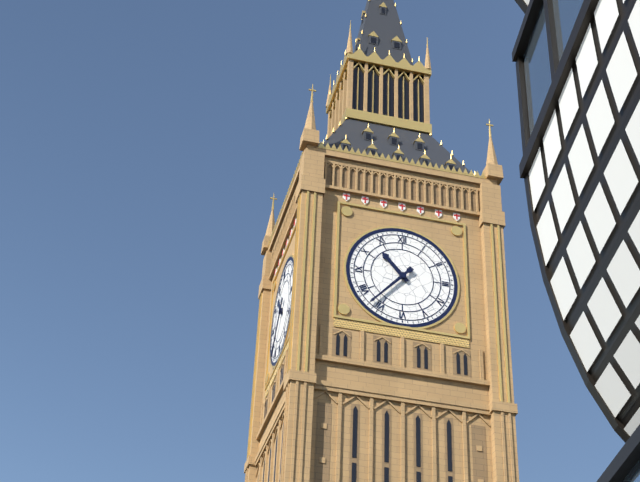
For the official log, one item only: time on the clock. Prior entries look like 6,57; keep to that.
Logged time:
10,37
